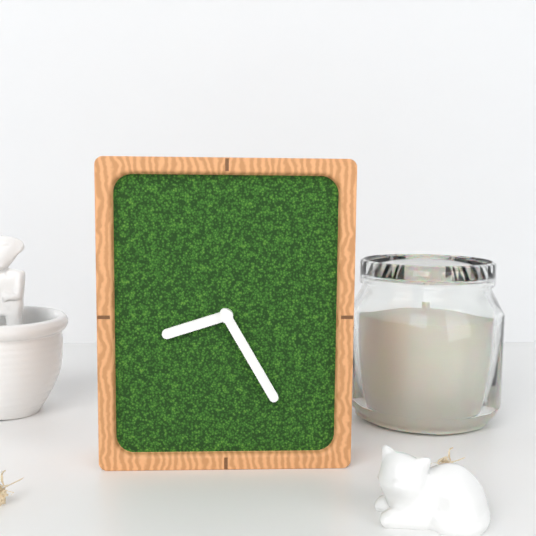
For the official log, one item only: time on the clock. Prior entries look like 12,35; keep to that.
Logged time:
8,25
